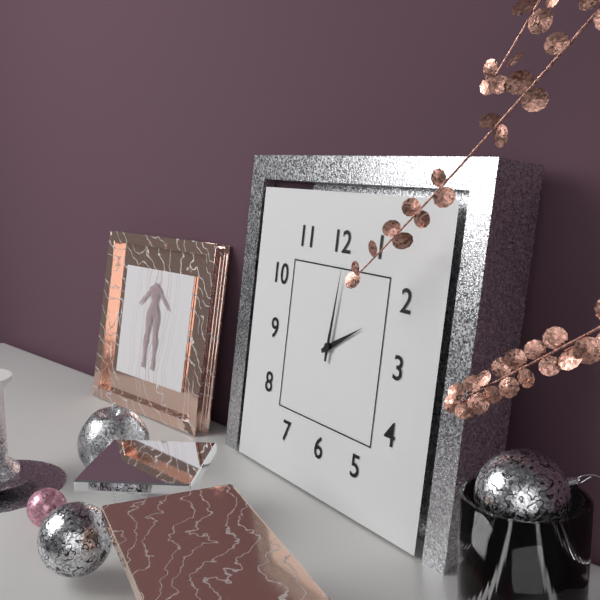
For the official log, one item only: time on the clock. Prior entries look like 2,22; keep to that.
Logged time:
2,01
